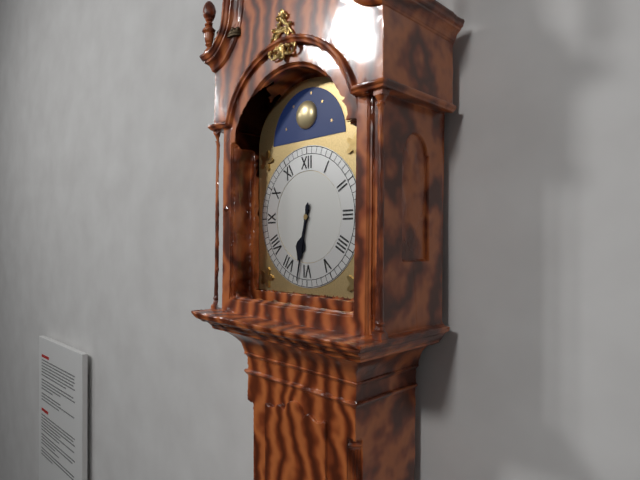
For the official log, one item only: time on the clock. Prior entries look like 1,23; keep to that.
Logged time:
6,32
